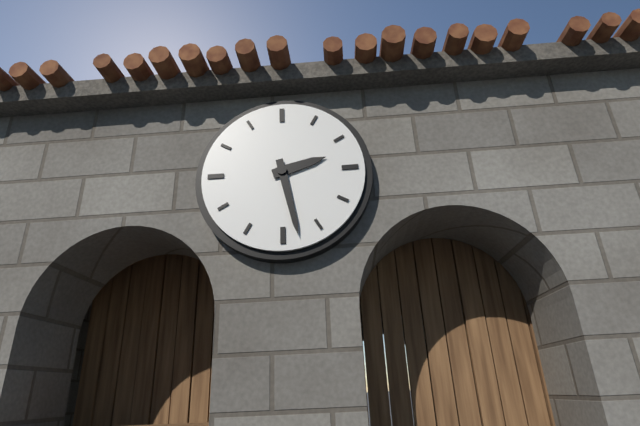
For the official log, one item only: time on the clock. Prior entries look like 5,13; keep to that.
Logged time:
2,28
